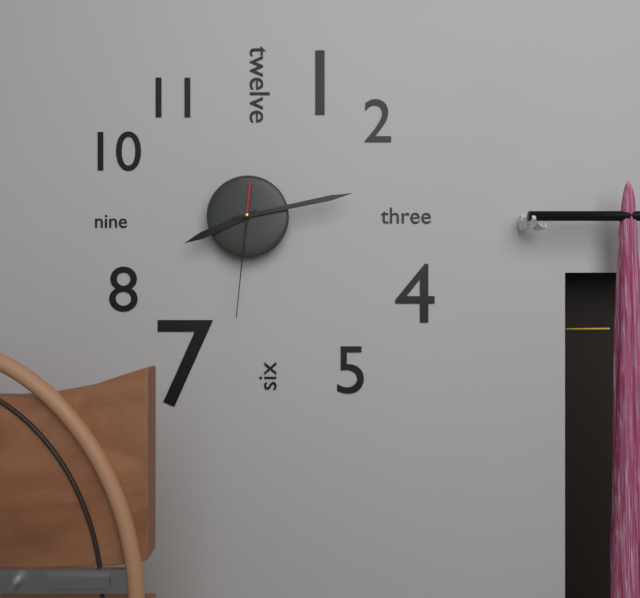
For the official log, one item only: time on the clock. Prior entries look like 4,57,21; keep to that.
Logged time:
8,13,31
